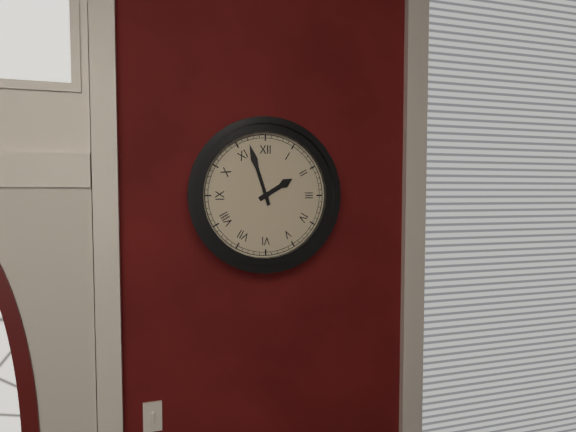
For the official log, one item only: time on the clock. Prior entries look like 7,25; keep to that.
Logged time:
1,57
